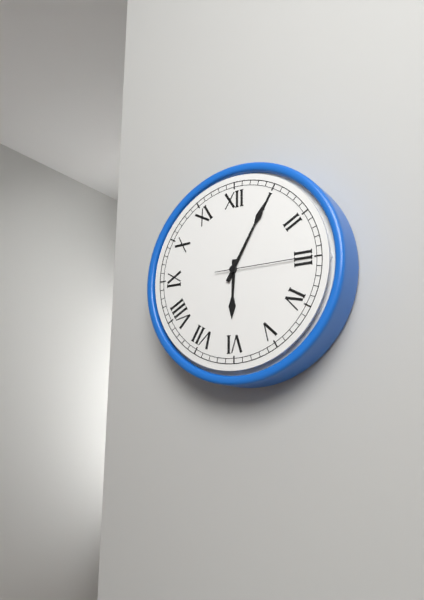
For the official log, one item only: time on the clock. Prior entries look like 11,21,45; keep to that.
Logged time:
6,05,15
